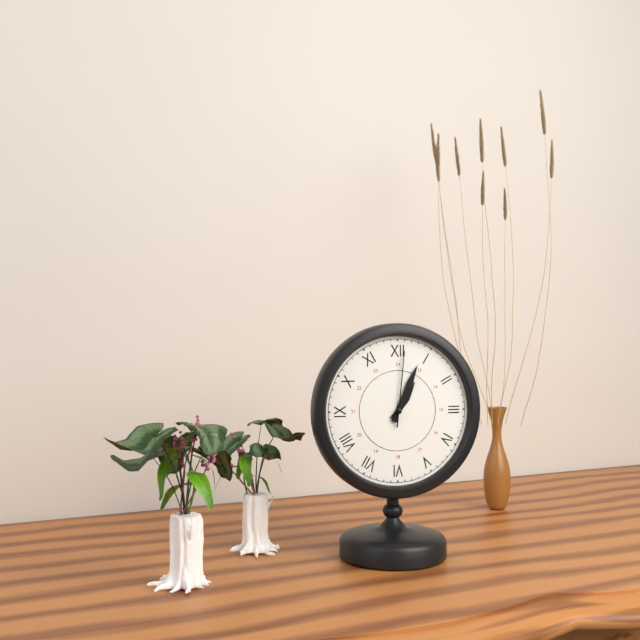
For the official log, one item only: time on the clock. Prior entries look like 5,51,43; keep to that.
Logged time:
1,04,01
